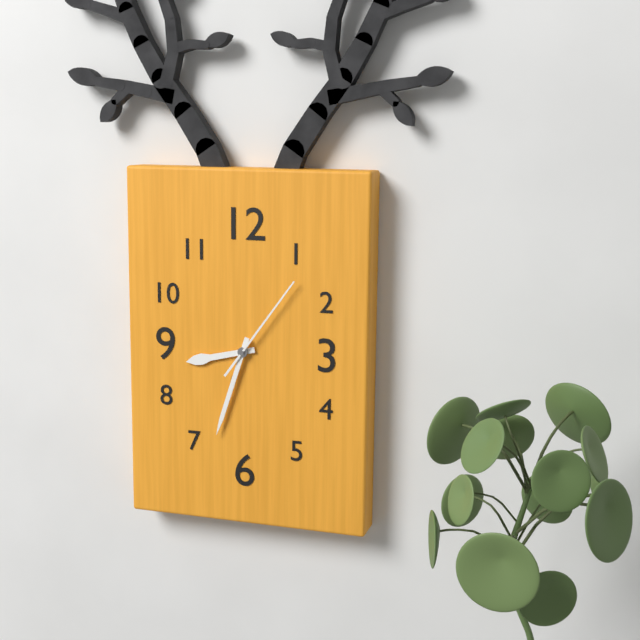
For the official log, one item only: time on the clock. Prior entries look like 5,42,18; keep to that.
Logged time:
8,33,06
